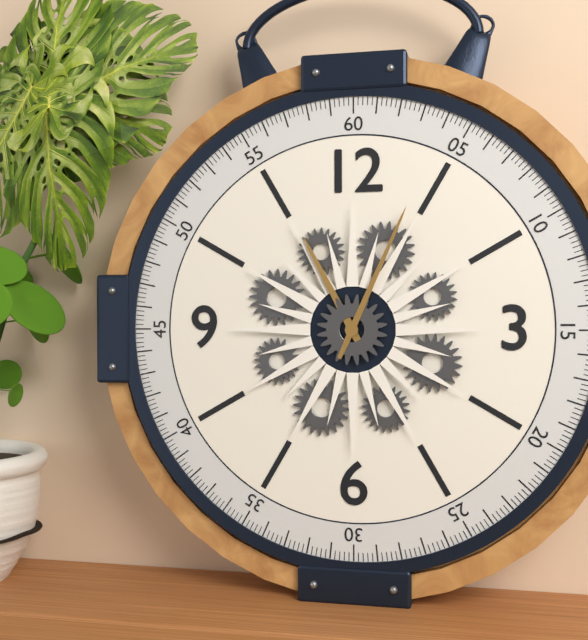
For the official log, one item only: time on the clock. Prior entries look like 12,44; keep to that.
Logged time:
11,04
